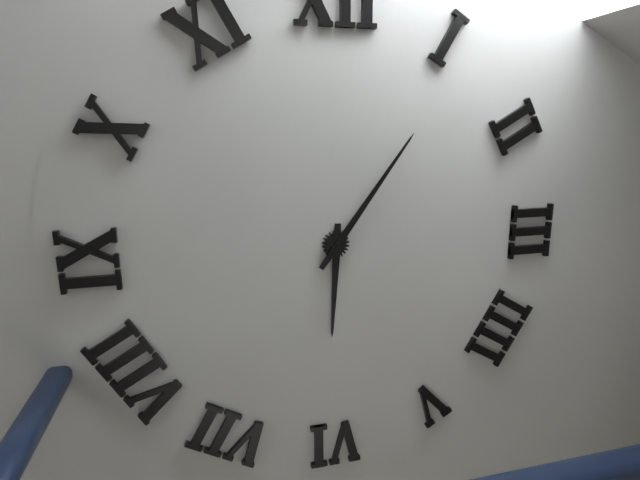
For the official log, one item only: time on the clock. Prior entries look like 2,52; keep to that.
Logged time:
6,06
